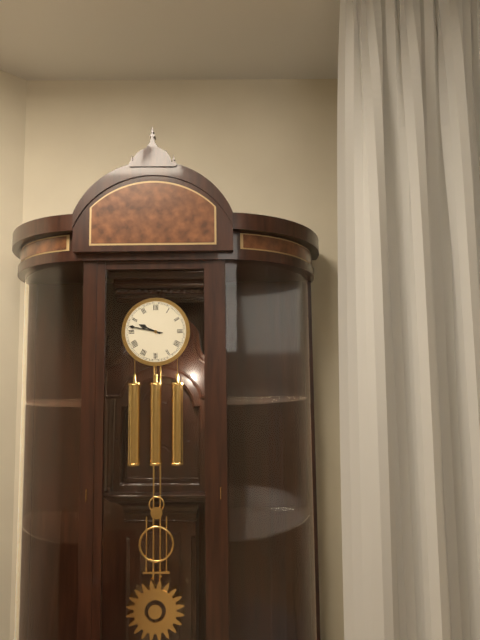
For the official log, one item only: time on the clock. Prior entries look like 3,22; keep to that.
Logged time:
9,47
